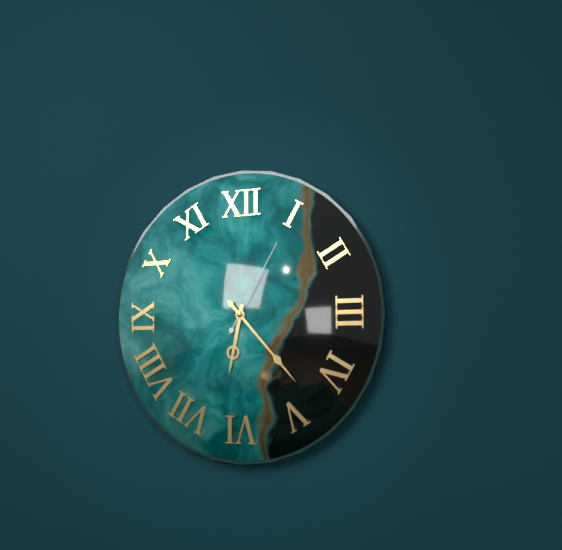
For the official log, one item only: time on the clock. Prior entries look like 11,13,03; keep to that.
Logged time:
6,23,05
